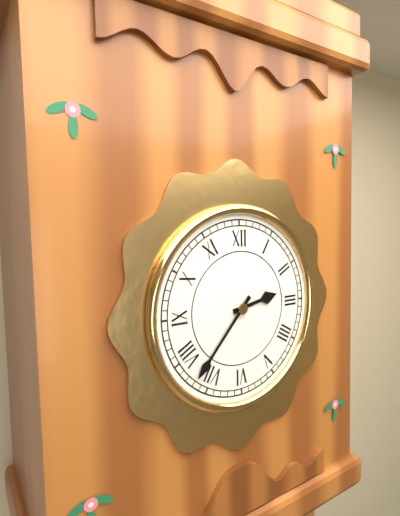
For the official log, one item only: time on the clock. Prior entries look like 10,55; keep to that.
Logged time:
2,37
